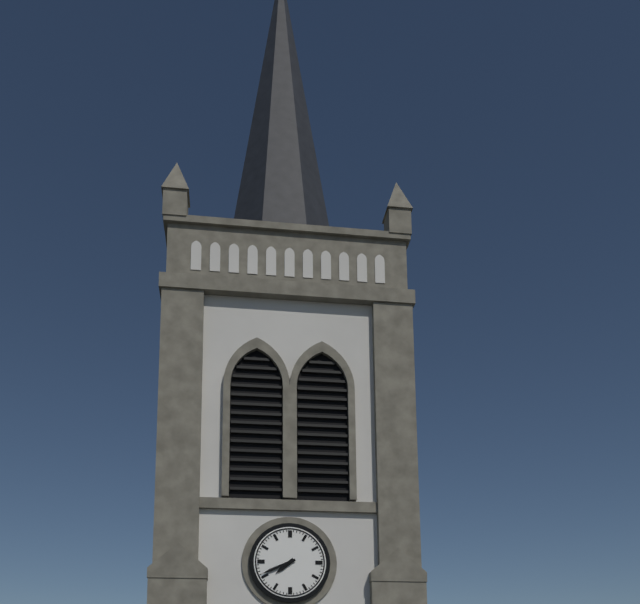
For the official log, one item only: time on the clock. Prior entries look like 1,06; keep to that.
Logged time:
7,41
